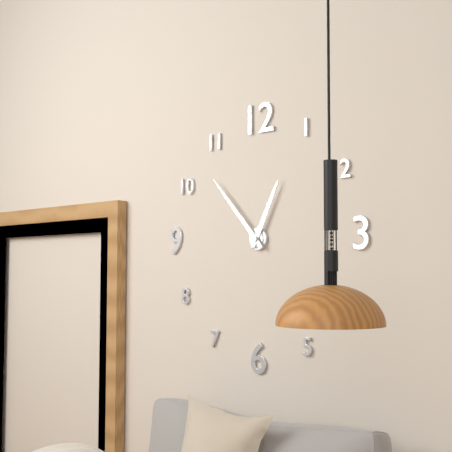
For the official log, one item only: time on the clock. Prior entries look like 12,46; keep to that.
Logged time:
12,53
